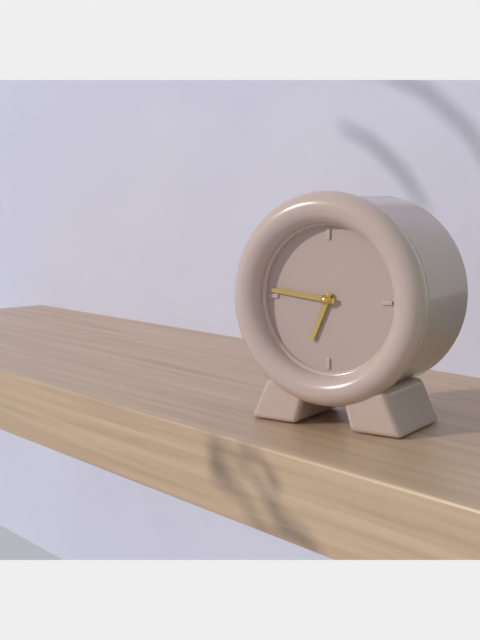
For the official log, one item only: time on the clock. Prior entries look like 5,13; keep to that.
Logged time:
6,46
